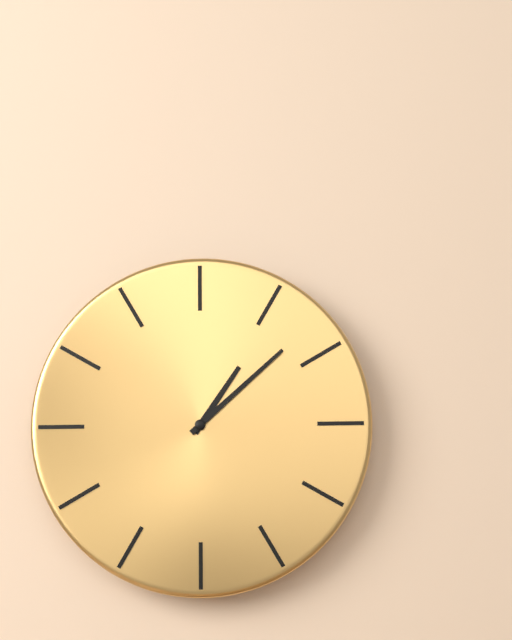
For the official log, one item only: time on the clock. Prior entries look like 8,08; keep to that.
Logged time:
1,08
